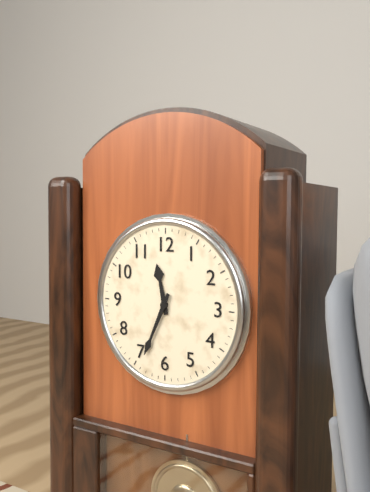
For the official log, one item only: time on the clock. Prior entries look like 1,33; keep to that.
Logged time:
11,34
